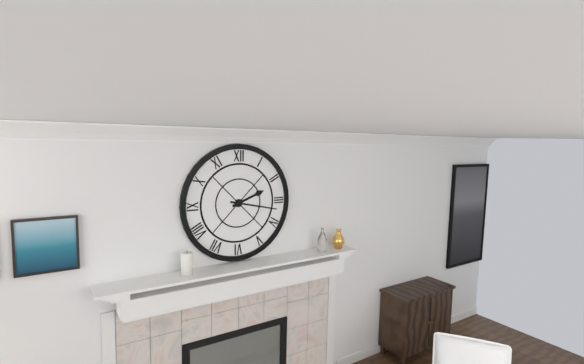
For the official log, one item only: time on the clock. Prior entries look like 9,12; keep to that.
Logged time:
2,17
